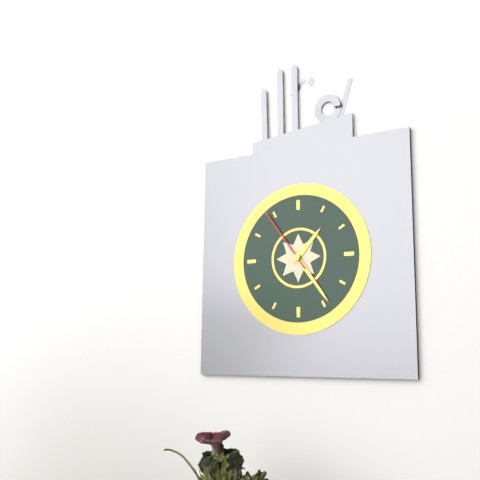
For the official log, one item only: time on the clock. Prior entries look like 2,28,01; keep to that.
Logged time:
1,24,54
